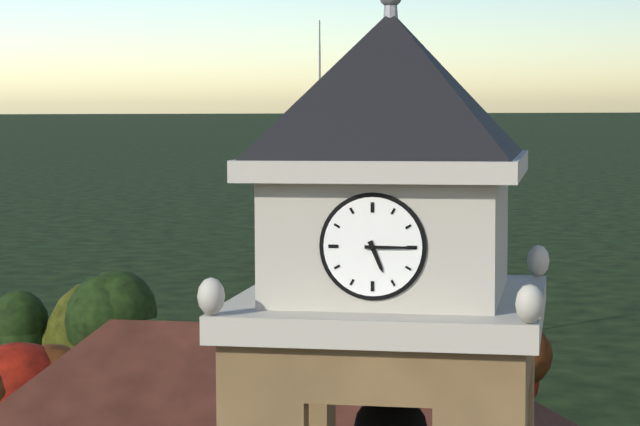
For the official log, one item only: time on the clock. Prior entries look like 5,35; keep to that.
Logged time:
5,15
